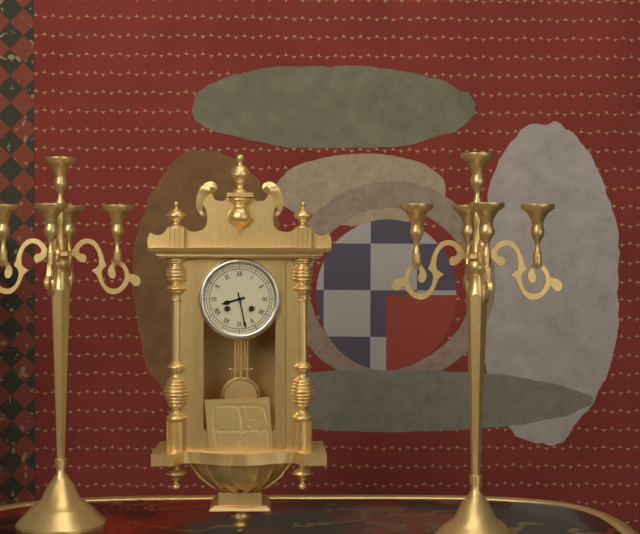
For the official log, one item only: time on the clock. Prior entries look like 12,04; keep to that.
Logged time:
8,28
